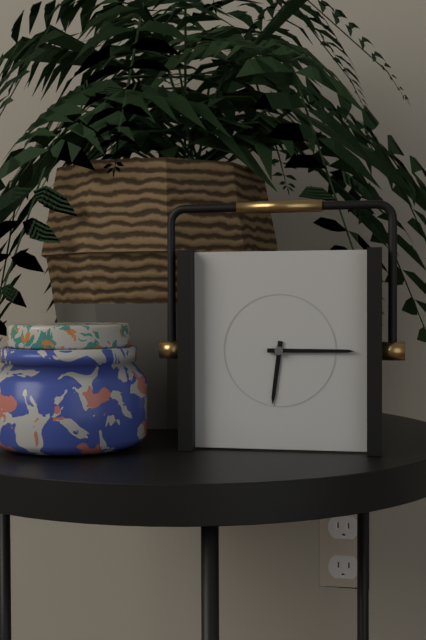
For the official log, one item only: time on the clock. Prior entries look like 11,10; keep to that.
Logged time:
6,15
